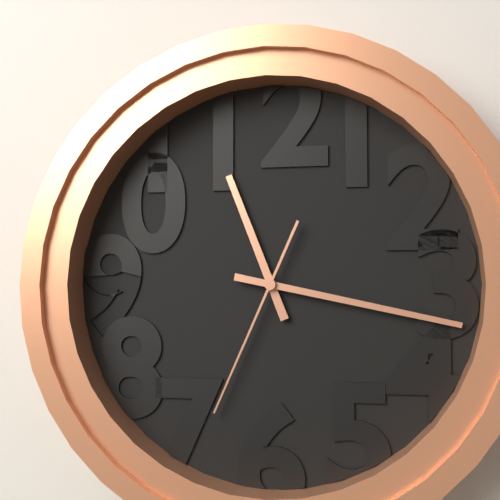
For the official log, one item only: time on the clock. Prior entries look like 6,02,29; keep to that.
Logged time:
11,17,34
